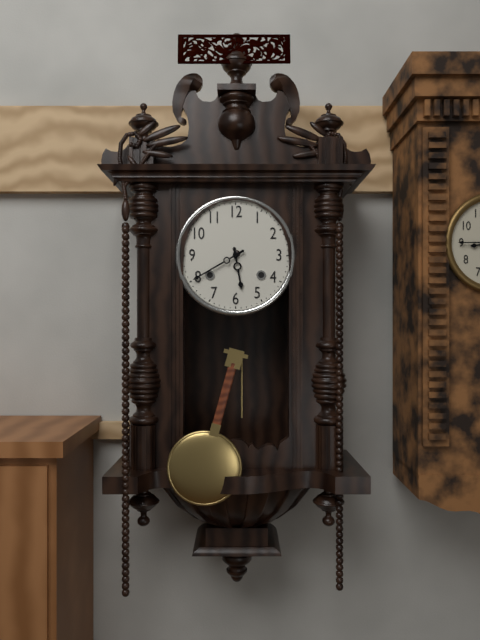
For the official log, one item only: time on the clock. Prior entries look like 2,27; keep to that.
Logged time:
5,40
